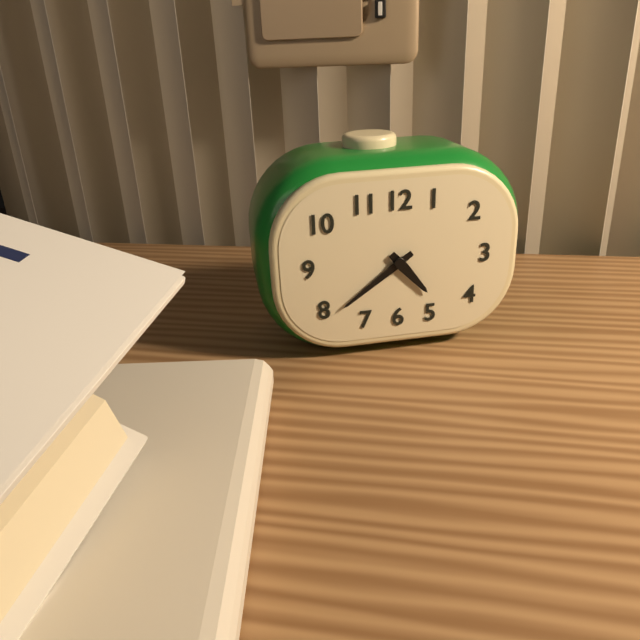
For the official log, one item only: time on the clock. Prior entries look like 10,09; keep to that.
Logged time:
4,39
